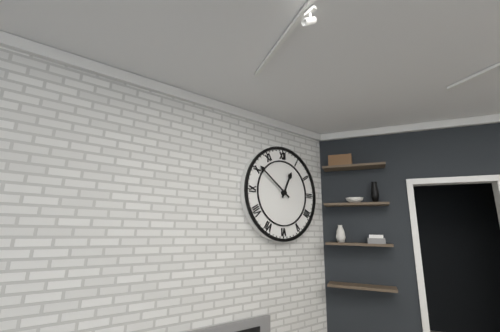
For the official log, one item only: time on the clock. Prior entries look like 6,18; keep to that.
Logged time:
12,51
